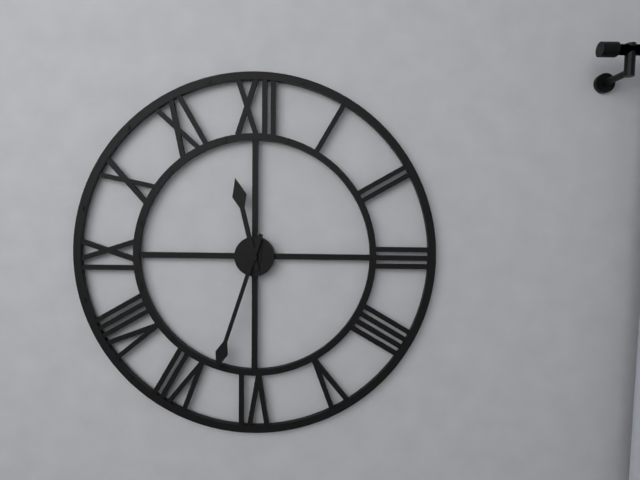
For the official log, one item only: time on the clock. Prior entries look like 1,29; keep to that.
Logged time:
11,33
